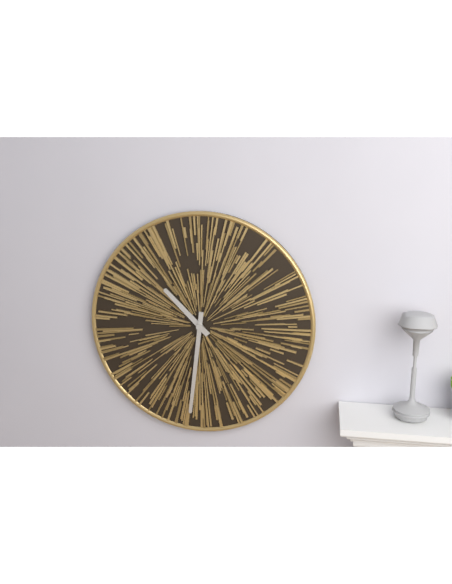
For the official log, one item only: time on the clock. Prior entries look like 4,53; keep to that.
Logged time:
10,31
